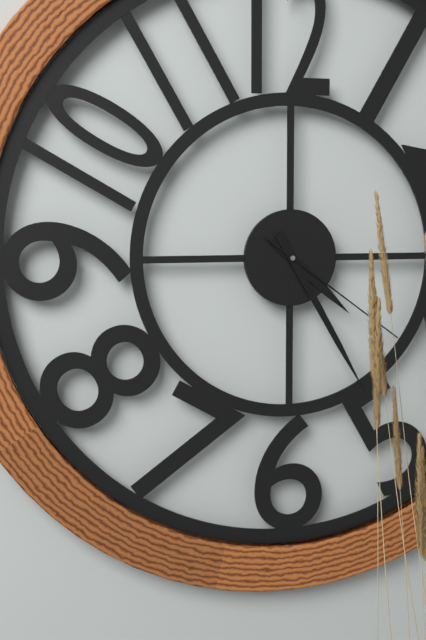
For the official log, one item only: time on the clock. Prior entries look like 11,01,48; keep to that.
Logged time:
4,25,21
